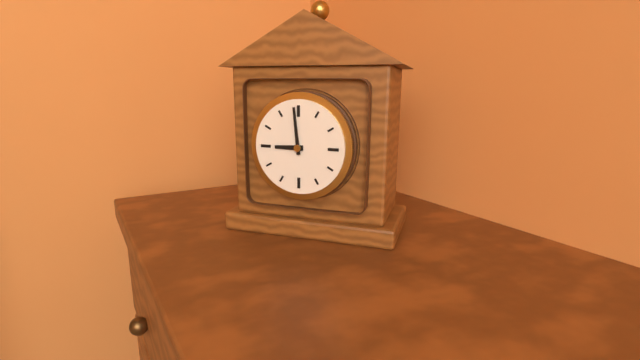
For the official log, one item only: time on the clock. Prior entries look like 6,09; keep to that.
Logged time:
8,59
